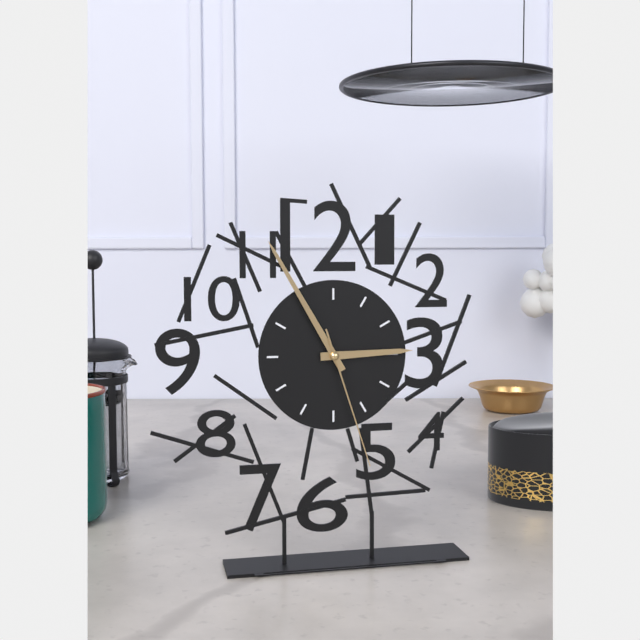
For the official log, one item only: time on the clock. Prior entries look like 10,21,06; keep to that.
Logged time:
2,55,27
